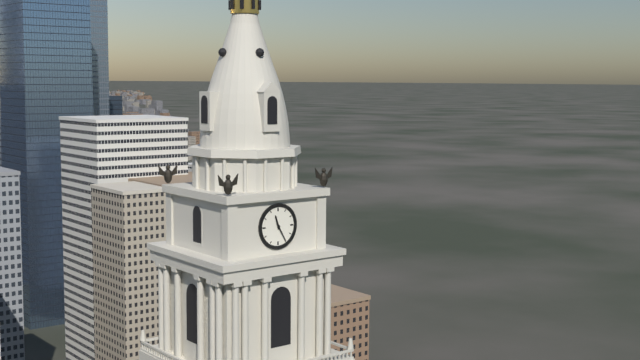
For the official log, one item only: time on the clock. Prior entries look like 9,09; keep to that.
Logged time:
11,25
